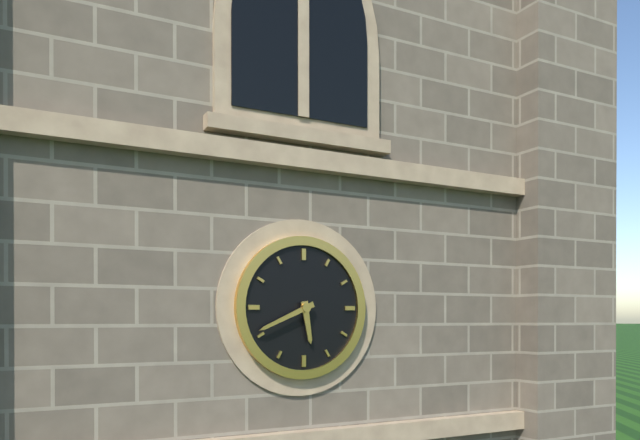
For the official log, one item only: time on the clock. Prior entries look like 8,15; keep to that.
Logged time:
5,41
